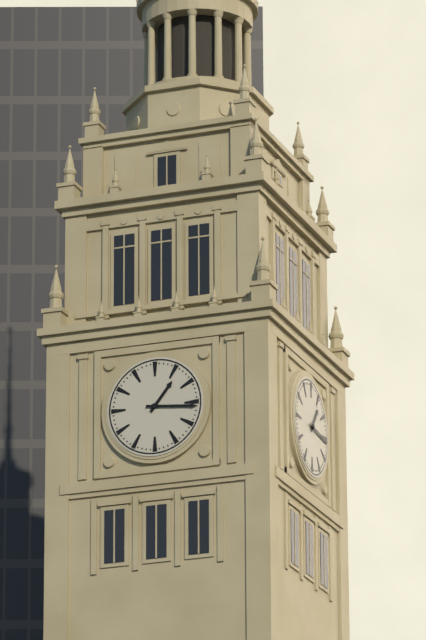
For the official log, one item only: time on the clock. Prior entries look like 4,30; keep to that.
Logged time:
1,16
